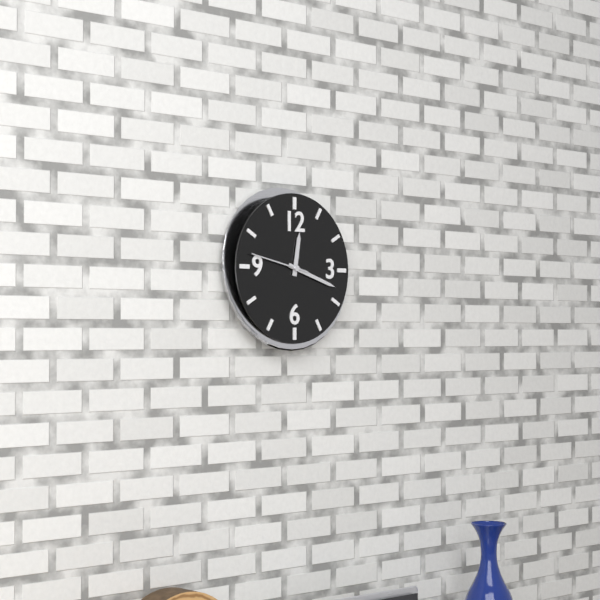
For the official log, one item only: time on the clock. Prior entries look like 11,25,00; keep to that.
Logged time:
12,18,47
